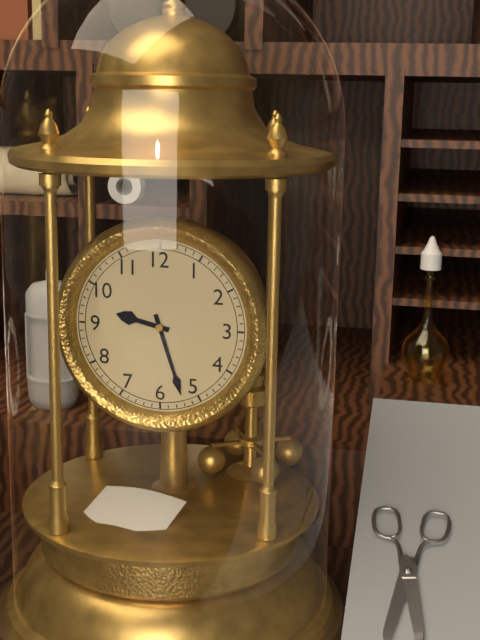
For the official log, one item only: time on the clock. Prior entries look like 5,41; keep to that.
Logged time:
9,27
